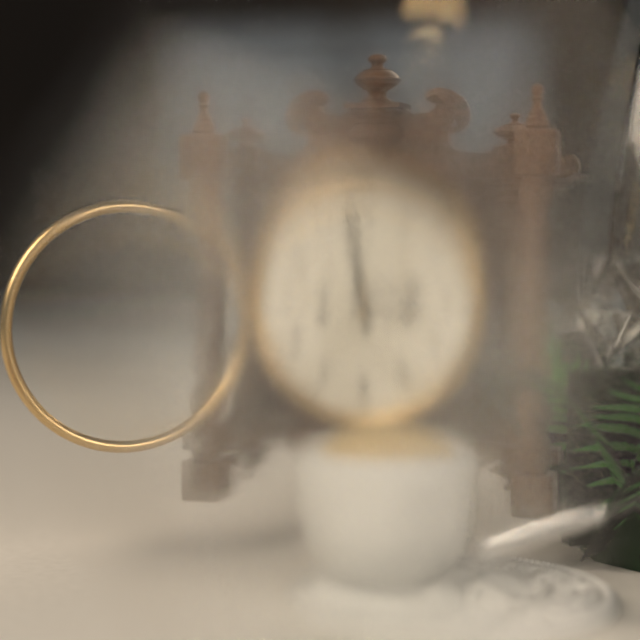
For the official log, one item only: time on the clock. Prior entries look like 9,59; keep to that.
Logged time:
2,58
